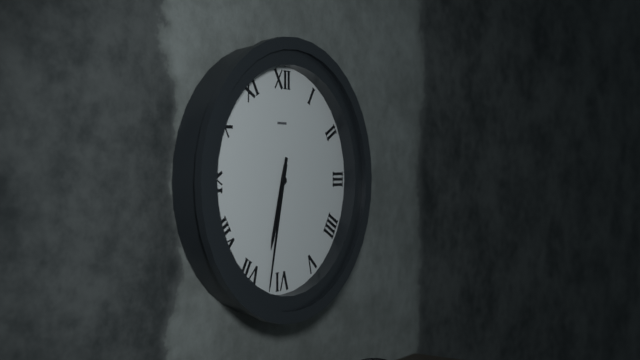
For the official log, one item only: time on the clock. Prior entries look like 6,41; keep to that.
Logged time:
6,32
